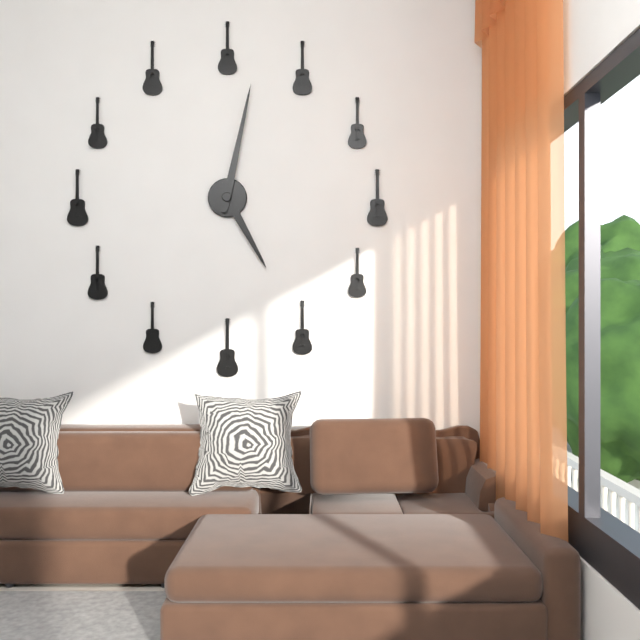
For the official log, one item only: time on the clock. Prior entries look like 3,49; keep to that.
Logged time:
5,02
